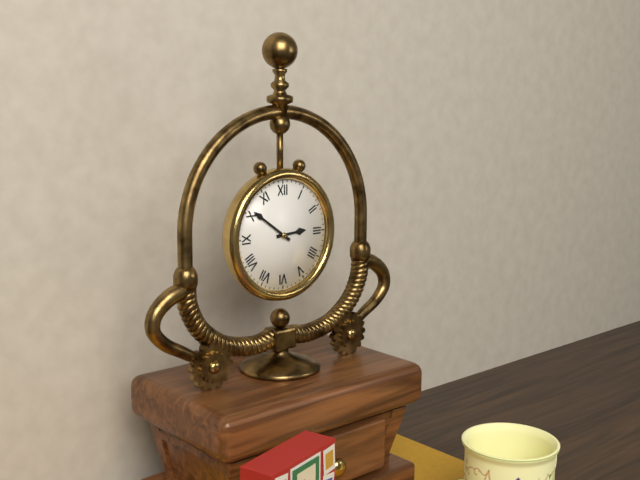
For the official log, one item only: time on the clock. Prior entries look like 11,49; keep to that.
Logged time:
2,51
